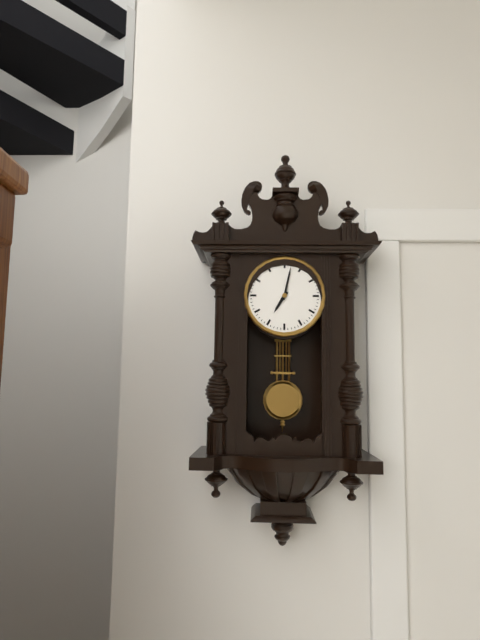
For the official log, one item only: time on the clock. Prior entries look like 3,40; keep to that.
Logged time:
7,02
